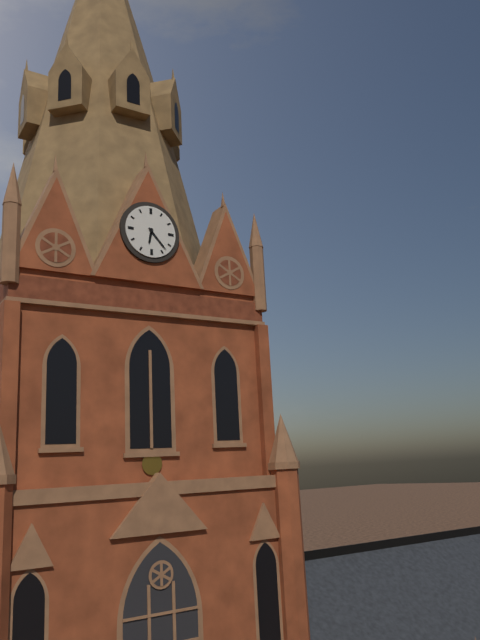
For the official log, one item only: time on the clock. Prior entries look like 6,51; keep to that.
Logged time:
6,23
